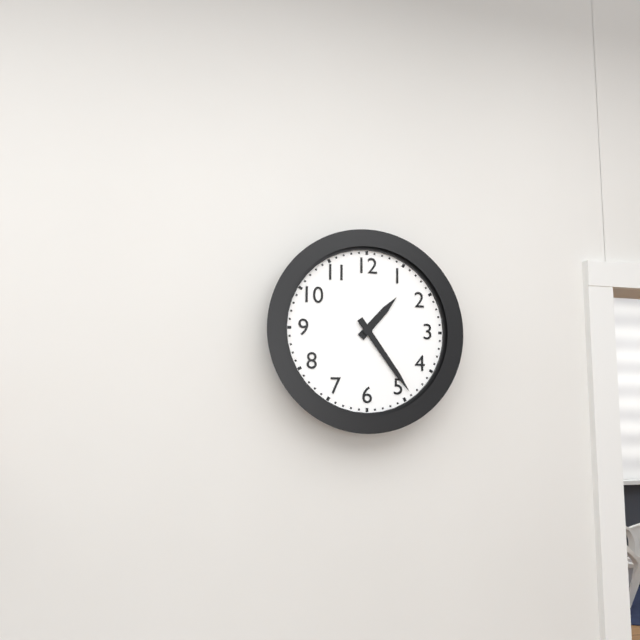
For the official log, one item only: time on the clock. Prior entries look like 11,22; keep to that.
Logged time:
1,24
